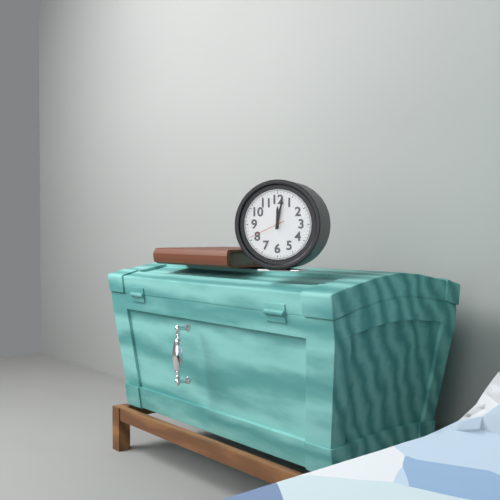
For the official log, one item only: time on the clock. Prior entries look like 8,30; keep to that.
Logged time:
12,02
